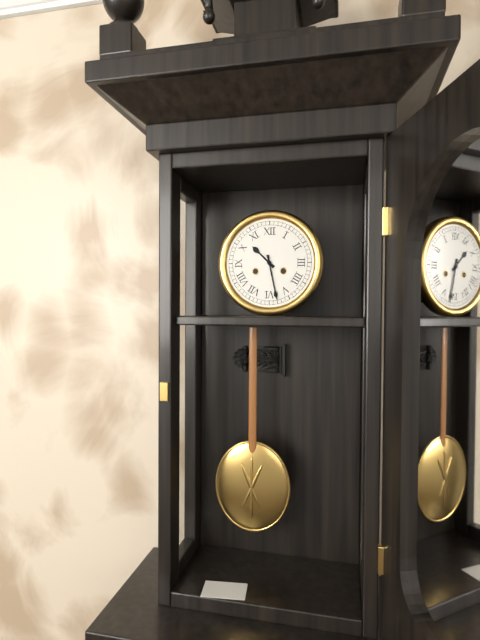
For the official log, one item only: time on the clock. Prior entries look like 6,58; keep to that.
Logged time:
10,28
